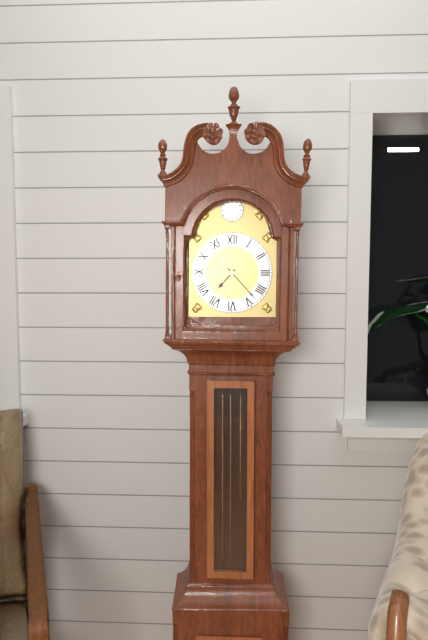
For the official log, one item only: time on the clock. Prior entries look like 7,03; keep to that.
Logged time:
7,23
